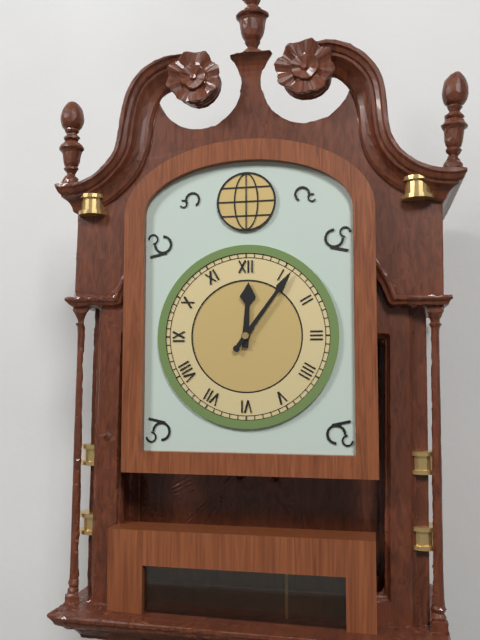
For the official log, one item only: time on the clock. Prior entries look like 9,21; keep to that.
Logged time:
12,06
